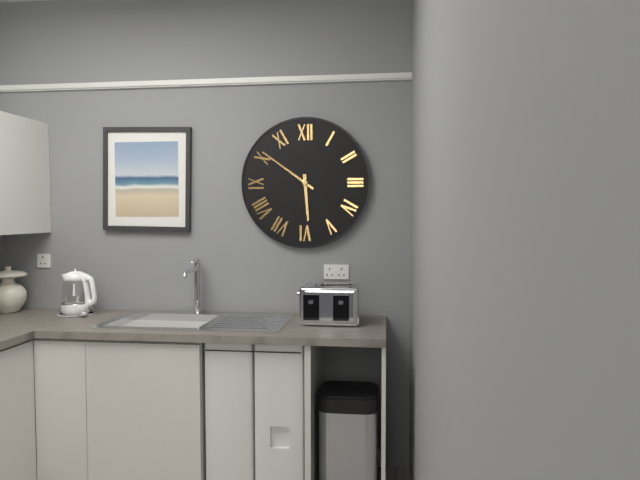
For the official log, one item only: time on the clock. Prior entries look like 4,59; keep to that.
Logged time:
5,51
